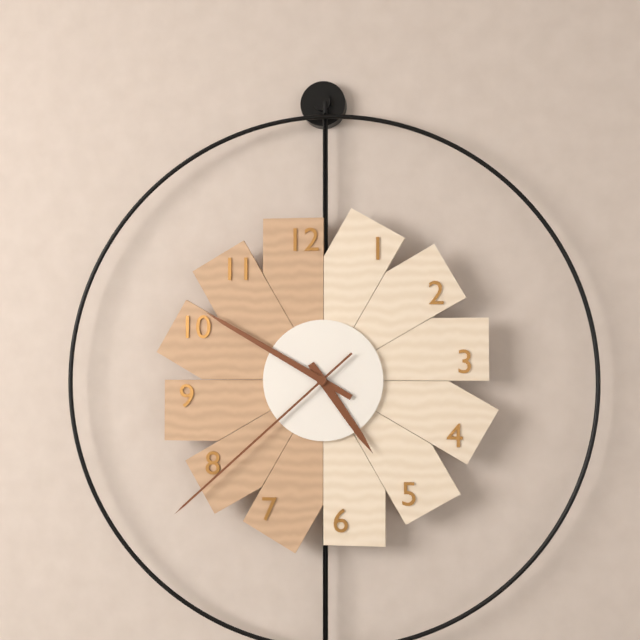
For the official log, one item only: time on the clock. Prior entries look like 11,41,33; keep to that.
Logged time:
4,50,38
